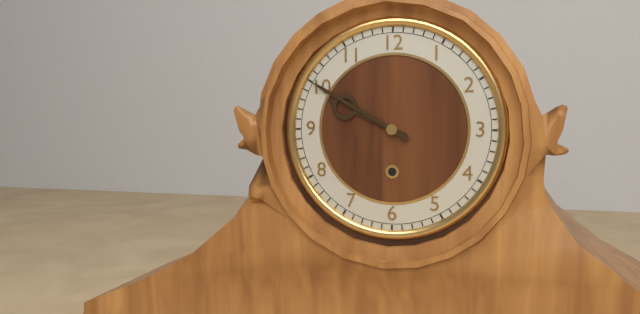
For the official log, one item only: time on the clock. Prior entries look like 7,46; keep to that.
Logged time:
9,50
